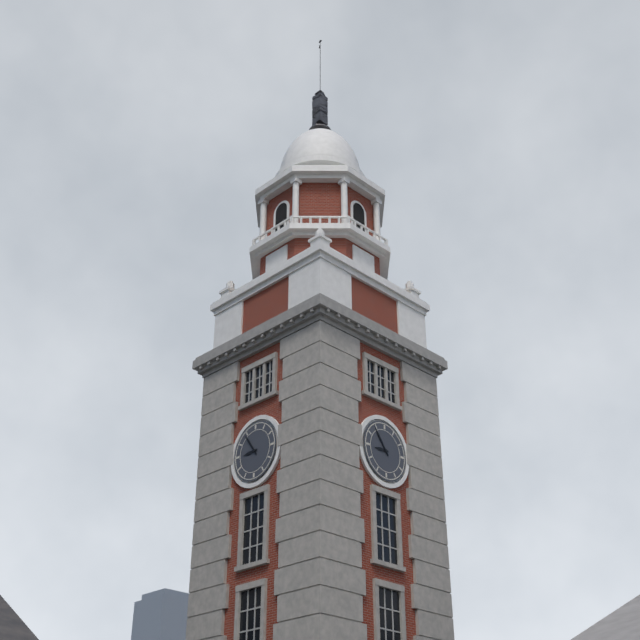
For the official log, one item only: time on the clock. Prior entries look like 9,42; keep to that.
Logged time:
8,54
